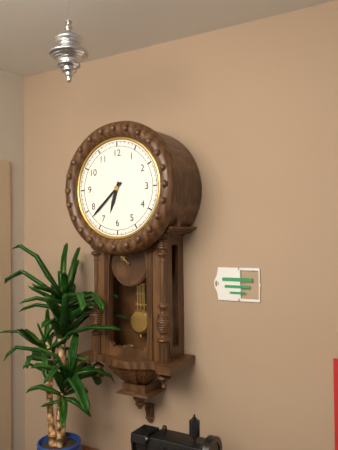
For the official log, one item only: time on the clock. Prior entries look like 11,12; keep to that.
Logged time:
6,38
